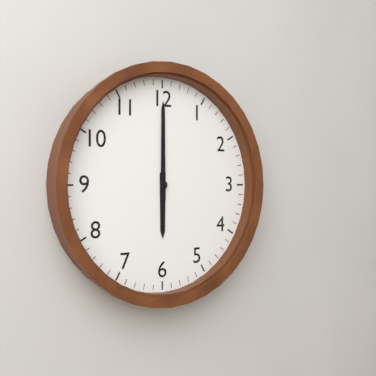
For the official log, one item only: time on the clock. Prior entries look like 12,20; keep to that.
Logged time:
6,00
